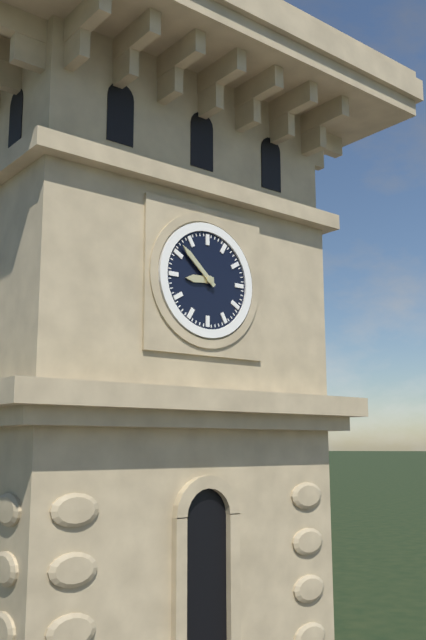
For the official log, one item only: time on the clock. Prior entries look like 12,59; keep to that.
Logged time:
8,52
